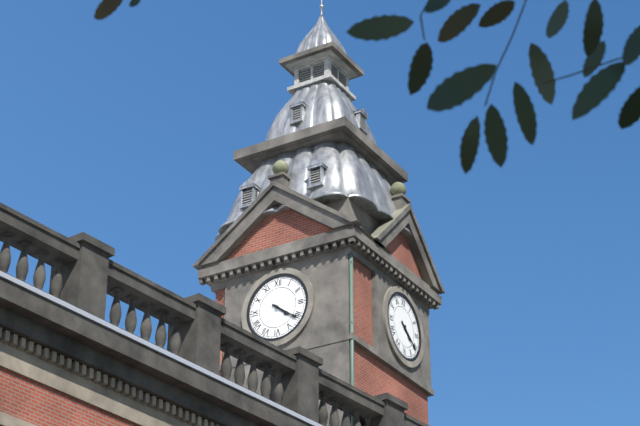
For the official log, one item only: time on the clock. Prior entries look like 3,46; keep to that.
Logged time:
4,21
